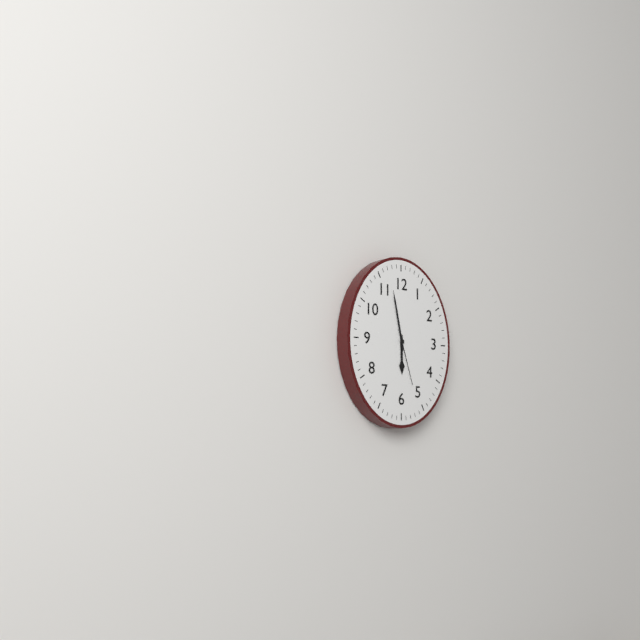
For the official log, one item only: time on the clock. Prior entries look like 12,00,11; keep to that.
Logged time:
5,58,27
